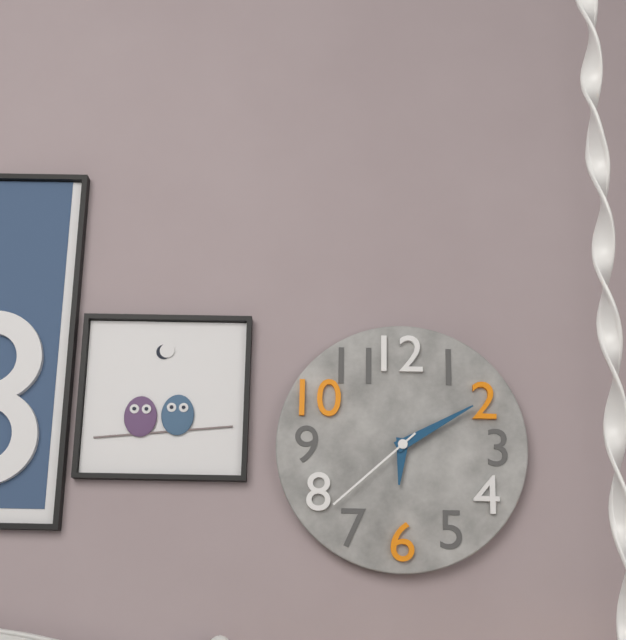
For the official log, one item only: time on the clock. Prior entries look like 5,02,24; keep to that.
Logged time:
6,10,38
